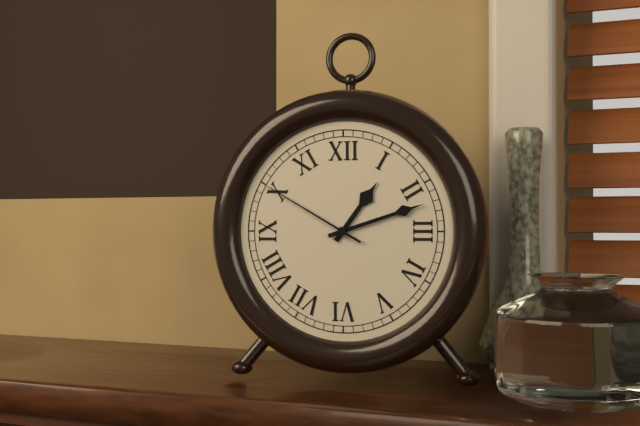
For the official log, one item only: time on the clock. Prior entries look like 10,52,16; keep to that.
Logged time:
1,12,50
